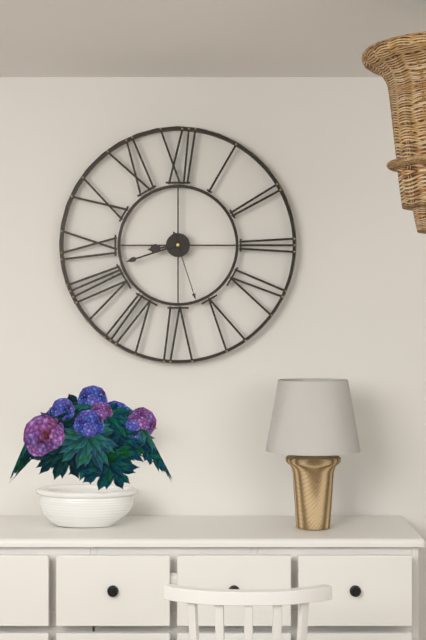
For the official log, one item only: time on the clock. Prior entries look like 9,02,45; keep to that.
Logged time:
8,42,27
